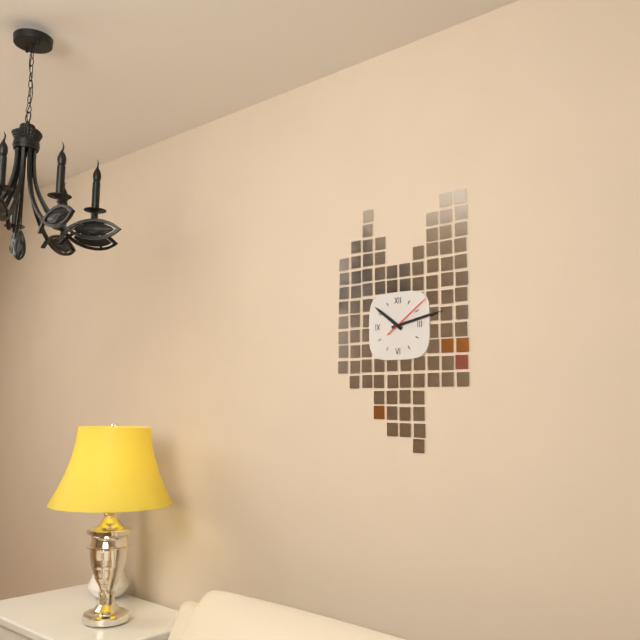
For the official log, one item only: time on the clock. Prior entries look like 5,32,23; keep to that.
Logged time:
10,13,09
